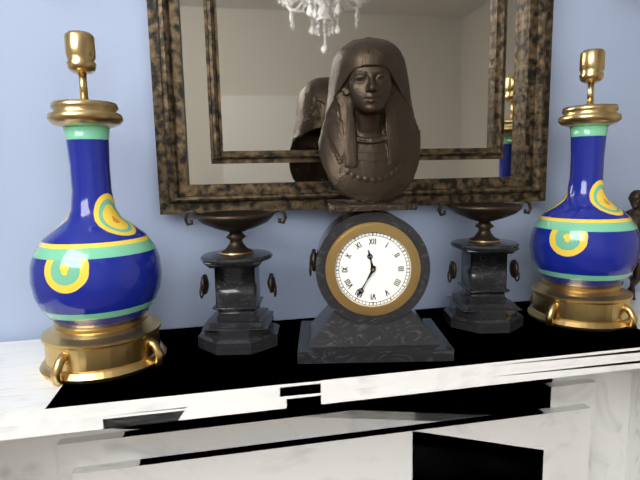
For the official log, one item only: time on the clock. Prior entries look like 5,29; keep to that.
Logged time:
11,35
